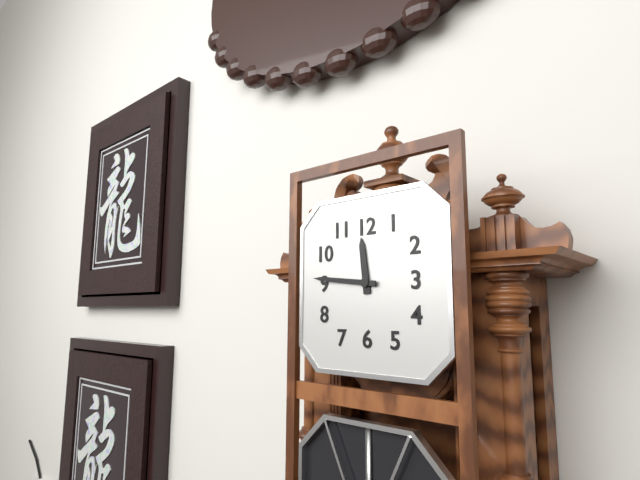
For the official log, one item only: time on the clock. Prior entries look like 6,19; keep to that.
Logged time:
11,46
